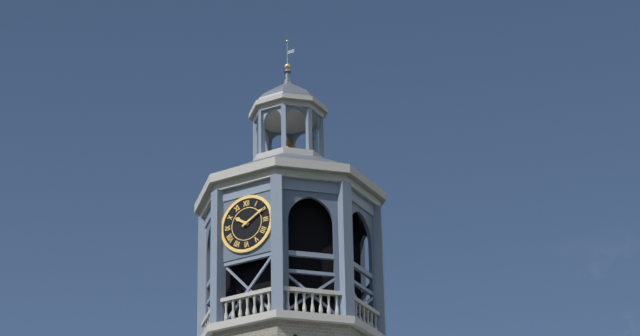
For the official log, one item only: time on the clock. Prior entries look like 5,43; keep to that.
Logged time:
10,10
